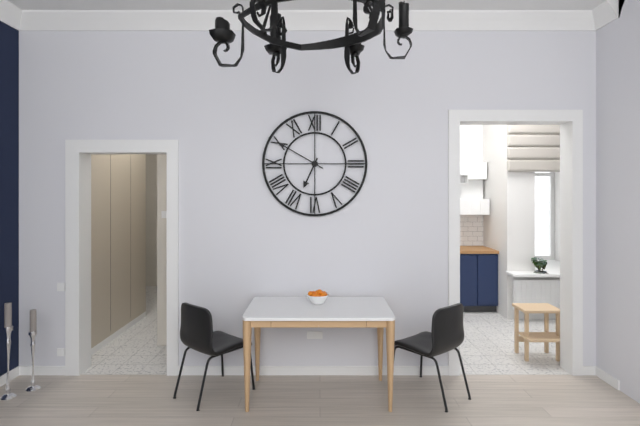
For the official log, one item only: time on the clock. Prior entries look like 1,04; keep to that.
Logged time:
6,50
